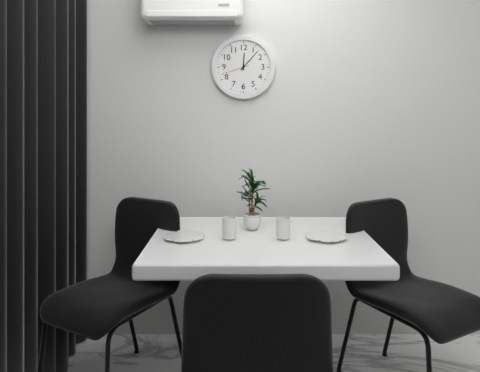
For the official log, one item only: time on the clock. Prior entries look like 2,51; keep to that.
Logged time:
12,07
